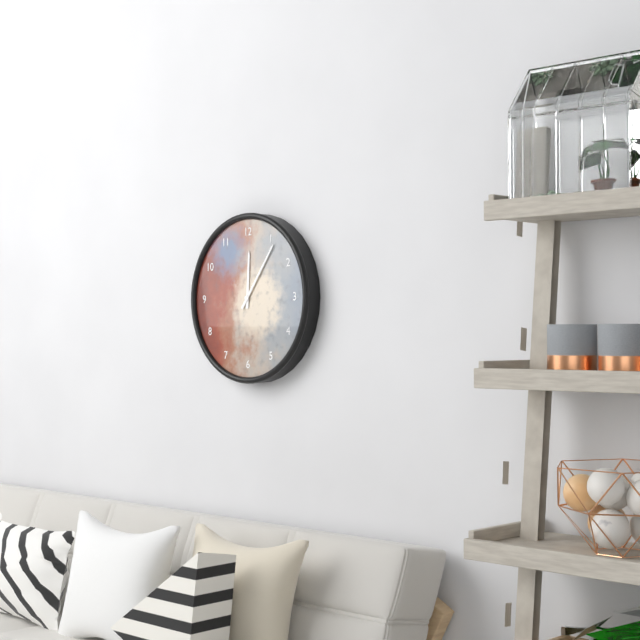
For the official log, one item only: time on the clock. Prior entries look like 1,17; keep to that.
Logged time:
12,06
